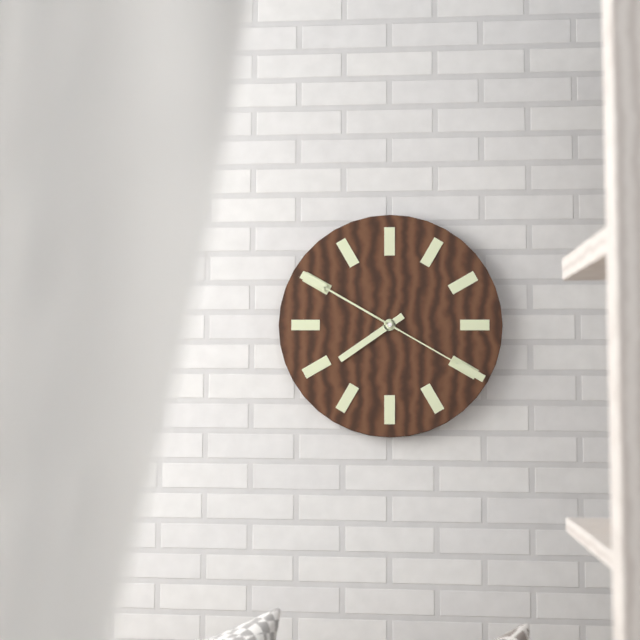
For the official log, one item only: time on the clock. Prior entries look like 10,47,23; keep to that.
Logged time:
7,50,20
